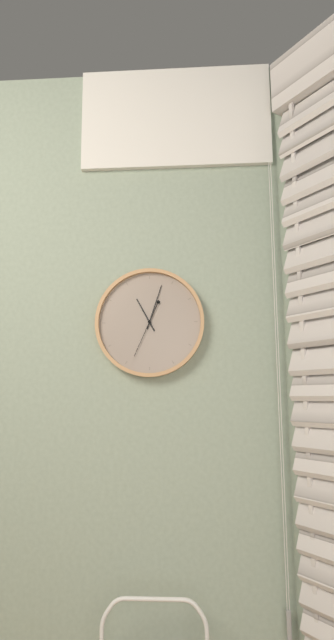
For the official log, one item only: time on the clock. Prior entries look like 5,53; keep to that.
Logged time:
11,03
